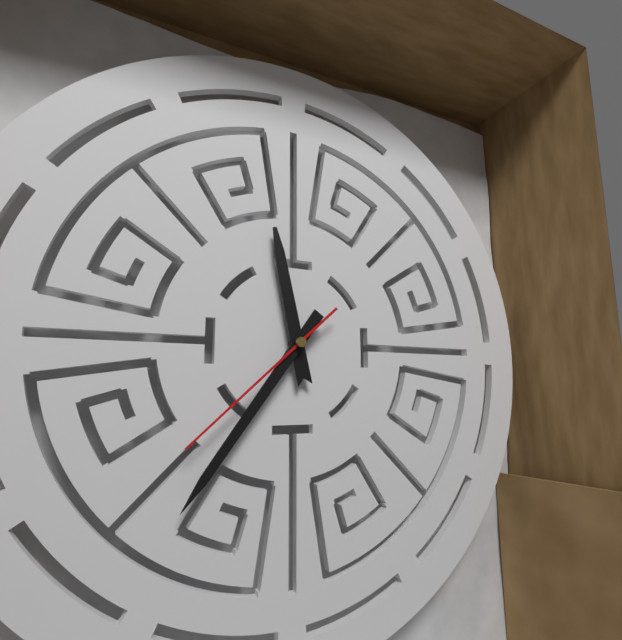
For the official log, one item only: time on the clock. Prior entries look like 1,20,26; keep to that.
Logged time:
11,36,38
